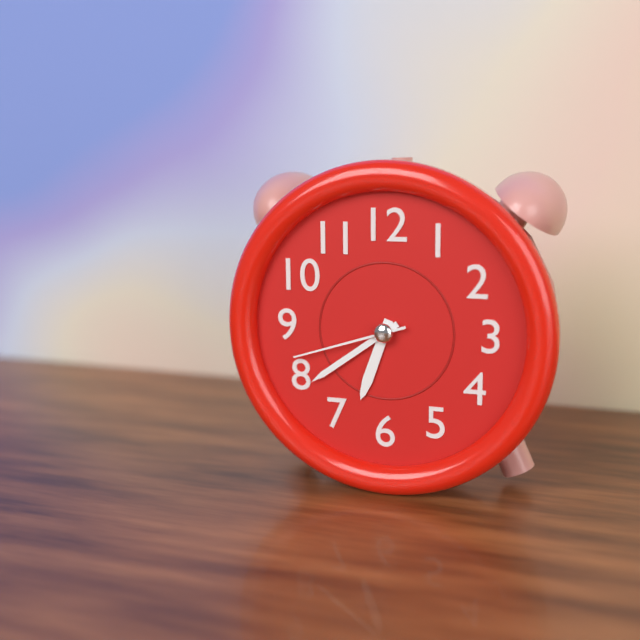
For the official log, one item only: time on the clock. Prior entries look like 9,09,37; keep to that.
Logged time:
6,39,42
